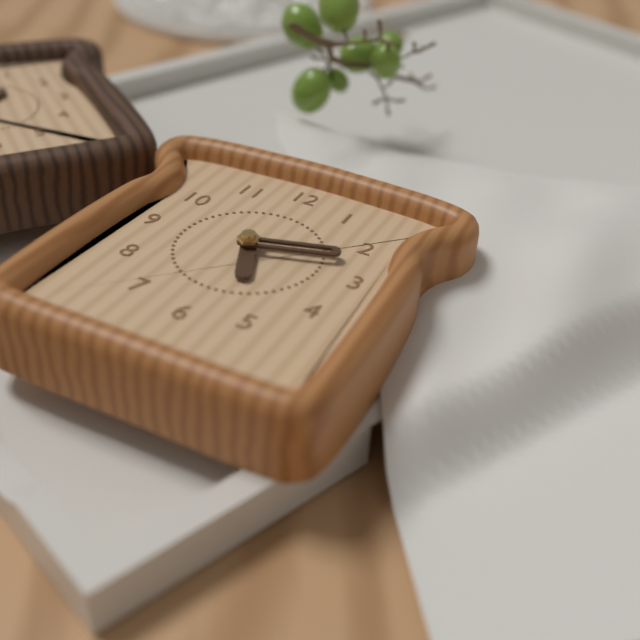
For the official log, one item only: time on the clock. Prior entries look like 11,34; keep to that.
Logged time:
5,12
